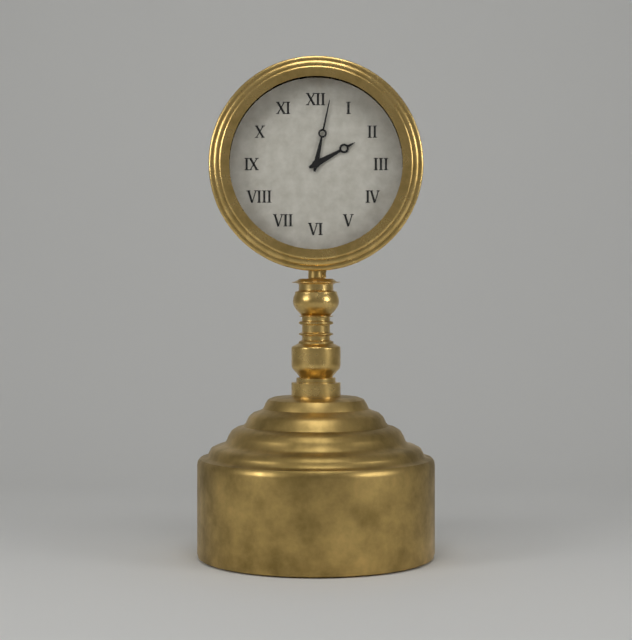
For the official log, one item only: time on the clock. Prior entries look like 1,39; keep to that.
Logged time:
2,02
